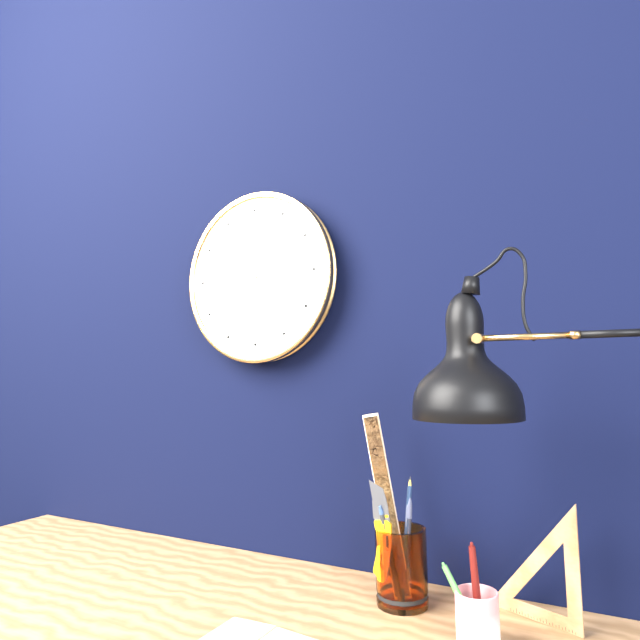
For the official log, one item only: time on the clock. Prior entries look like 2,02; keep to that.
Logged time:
3,06
